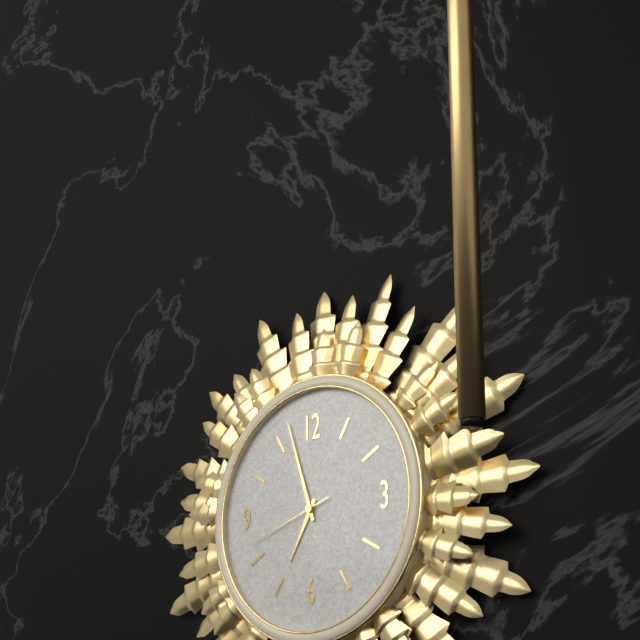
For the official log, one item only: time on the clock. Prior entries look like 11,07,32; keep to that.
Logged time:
6,57,42
